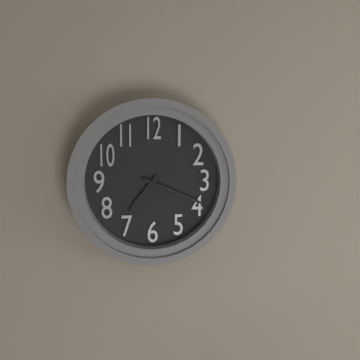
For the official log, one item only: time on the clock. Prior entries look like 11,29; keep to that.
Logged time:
7,19
